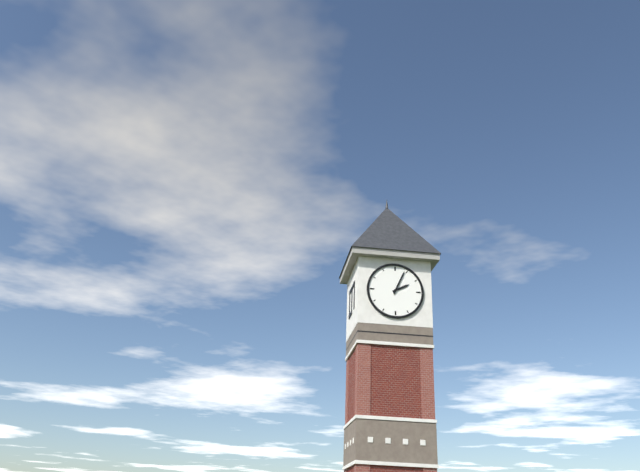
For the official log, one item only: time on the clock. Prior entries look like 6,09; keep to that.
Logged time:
2,04
